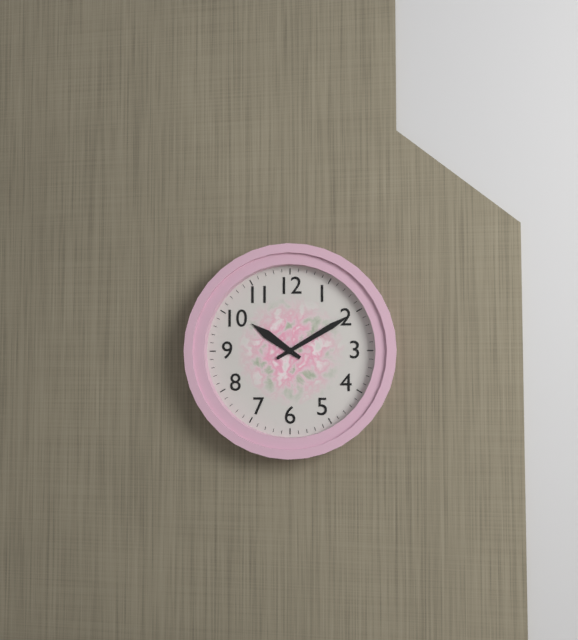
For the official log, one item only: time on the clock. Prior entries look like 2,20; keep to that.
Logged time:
10,10
